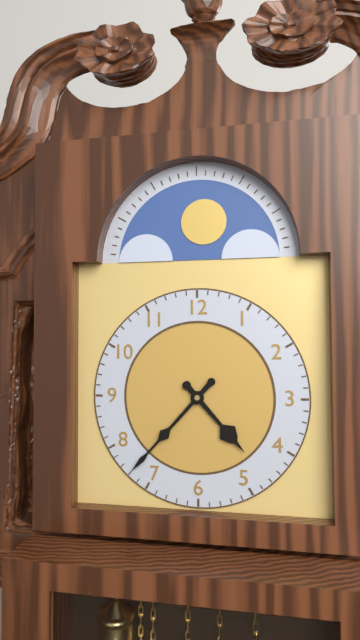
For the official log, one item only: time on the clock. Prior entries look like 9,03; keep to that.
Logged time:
4,37
